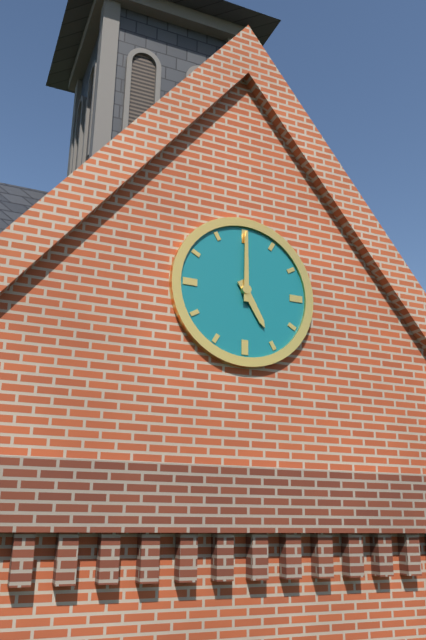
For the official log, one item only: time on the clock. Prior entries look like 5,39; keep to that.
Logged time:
5,00
